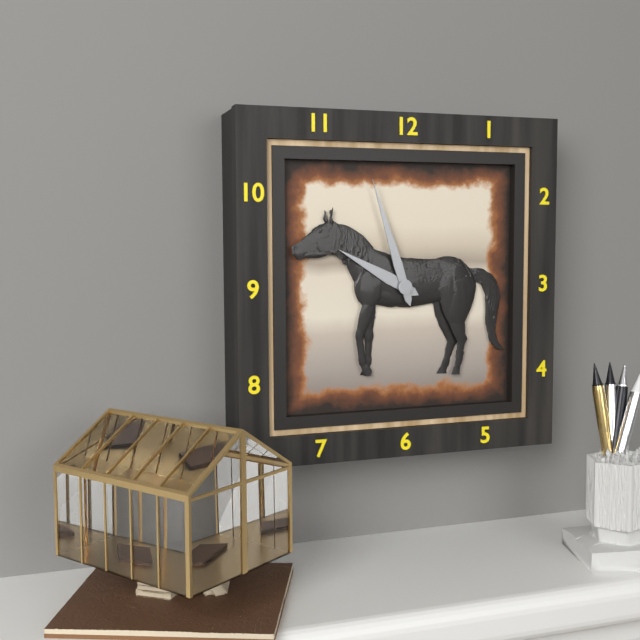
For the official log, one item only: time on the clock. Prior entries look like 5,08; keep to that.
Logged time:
9,57
